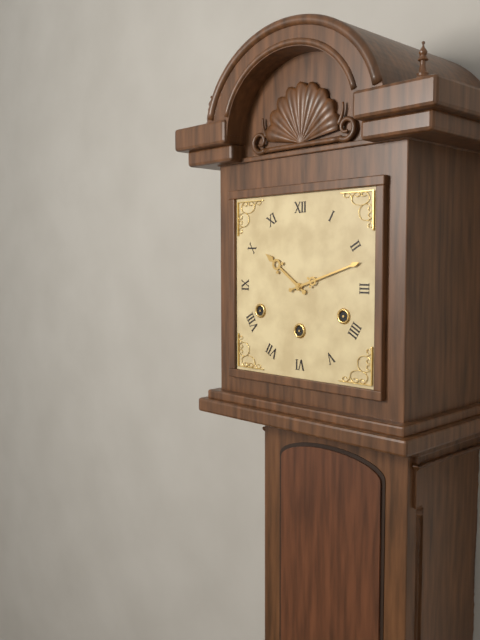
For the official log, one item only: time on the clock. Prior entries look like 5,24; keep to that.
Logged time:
10,12
